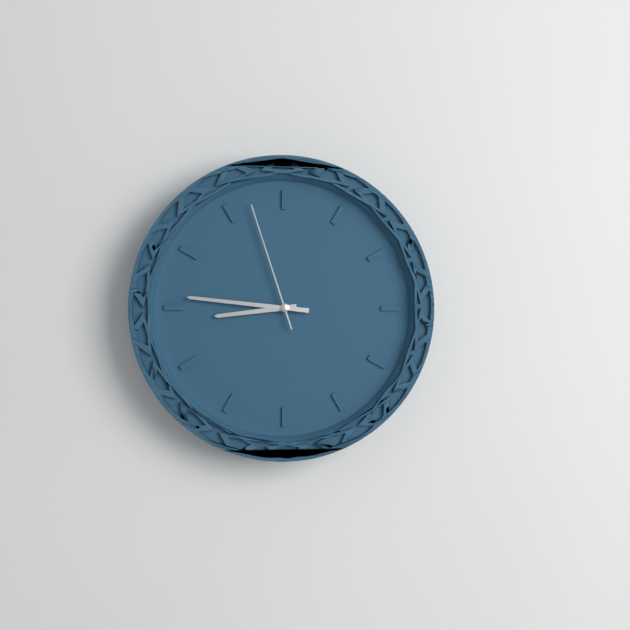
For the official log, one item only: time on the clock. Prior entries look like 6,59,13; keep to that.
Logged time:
8,46,57
